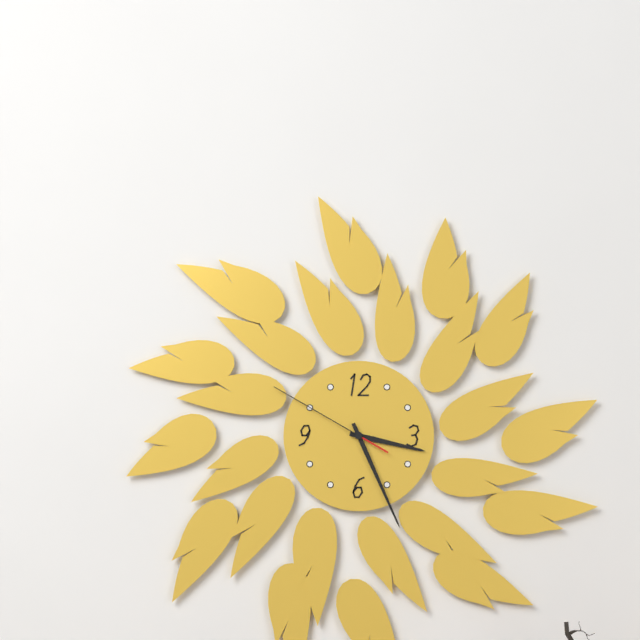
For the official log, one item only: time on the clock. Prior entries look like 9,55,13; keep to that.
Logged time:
3,26,50
